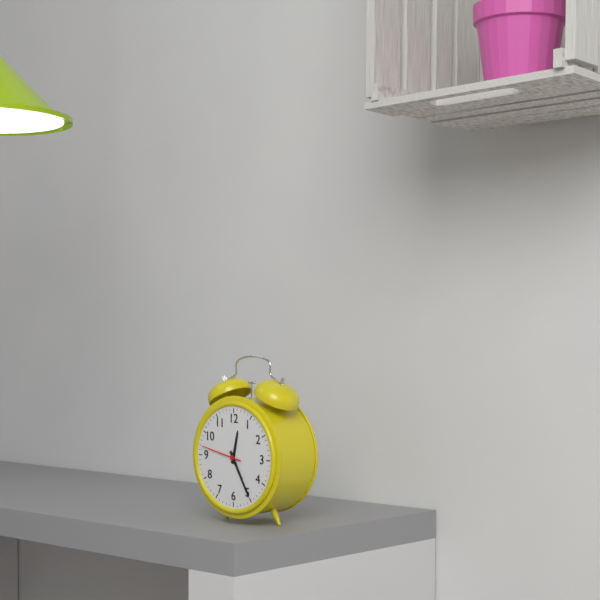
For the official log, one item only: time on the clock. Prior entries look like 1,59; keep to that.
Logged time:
12,25
